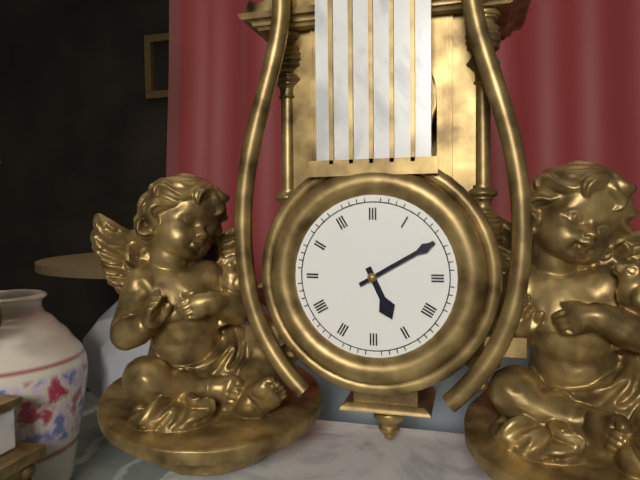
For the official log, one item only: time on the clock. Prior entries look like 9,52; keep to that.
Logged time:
5,10
